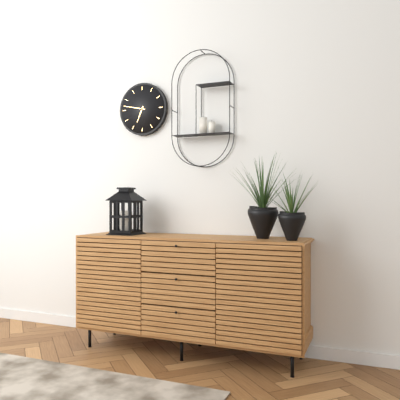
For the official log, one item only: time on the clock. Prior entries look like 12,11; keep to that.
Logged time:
6,47
